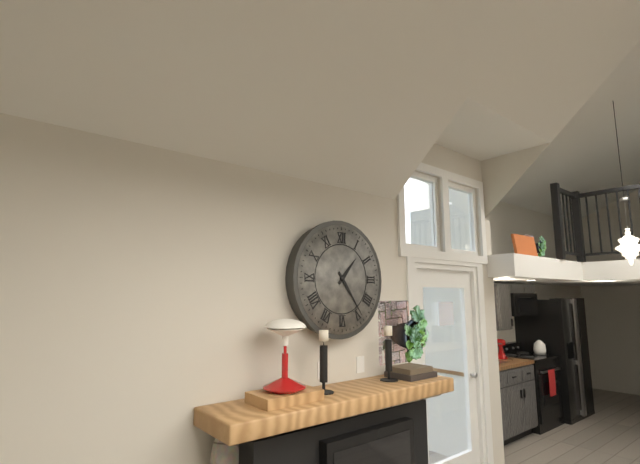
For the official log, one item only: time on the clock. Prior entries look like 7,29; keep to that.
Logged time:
1,24
